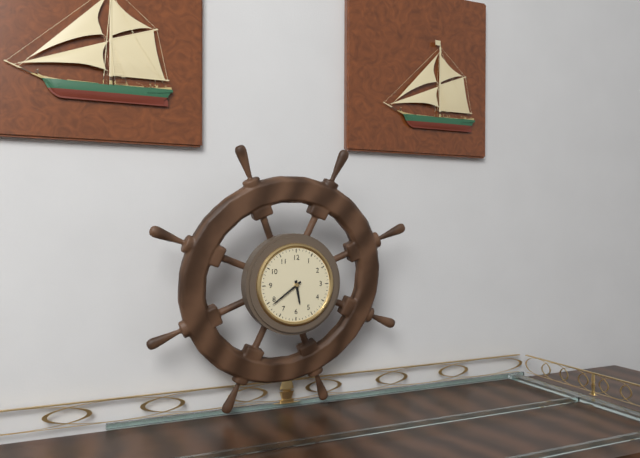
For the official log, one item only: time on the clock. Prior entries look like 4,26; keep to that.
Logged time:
5,39
